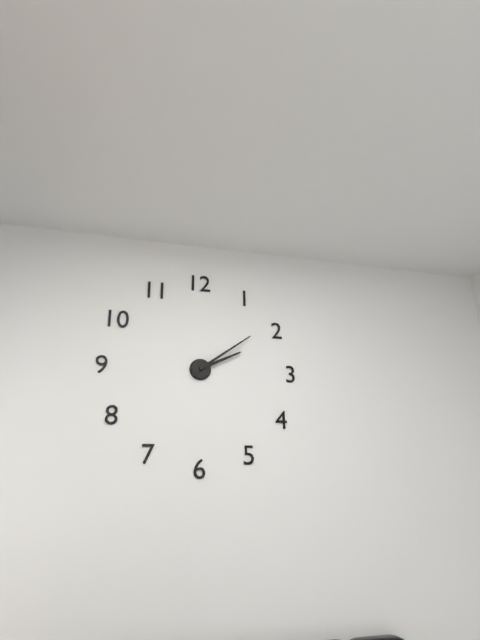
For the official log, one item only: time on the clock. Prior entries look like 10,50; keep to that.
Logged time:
2,09
